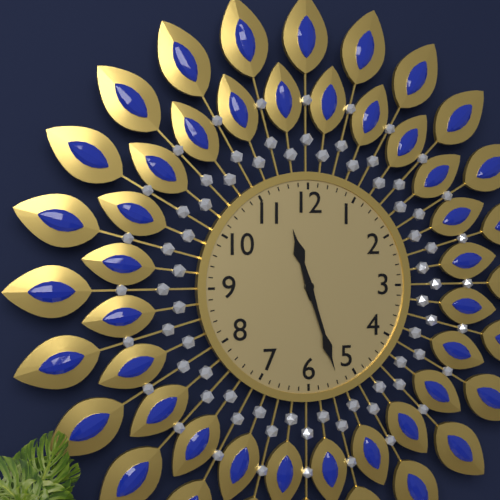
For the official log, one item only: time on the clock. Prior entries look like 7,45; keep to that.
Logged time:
11,27
